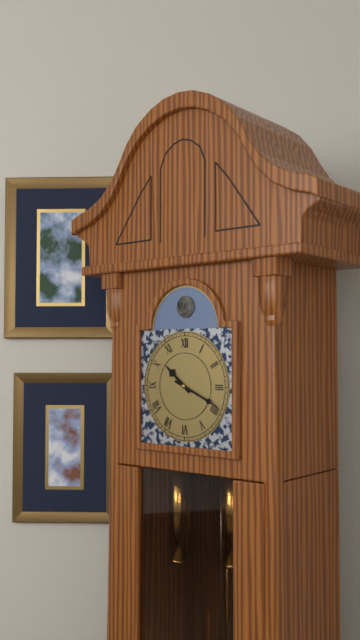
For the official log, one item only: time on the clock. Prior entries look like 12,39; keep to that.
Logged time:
10,19
